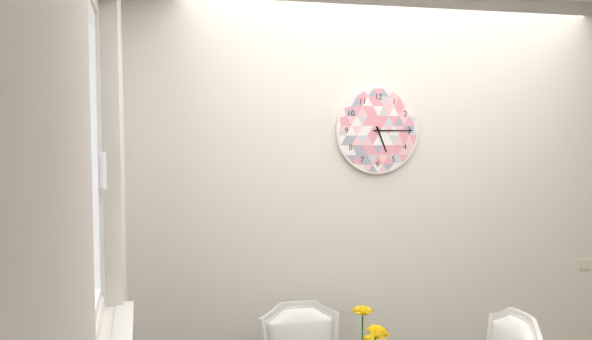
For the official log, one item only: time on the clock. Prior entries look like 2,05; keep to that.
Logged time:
5,15
